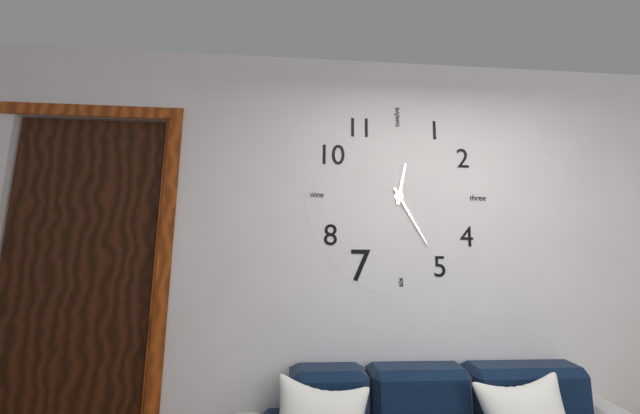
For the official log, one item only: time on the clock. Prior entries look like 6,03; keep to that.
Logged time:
12,25
